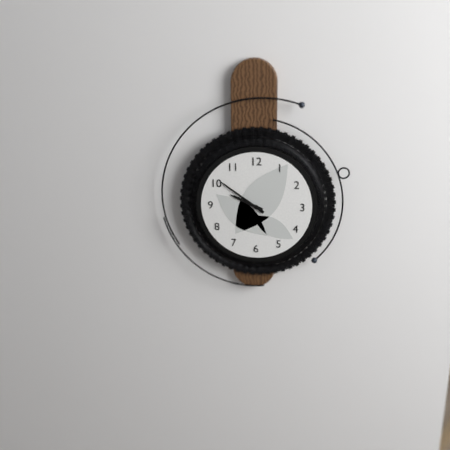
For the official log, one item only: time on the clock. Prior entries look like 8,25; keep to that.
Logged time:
9,51
